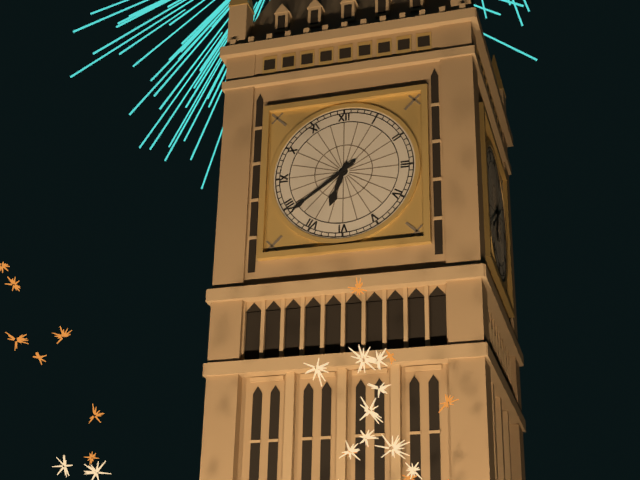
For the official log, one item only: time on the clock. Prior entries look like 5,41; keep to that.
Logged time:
6,39
